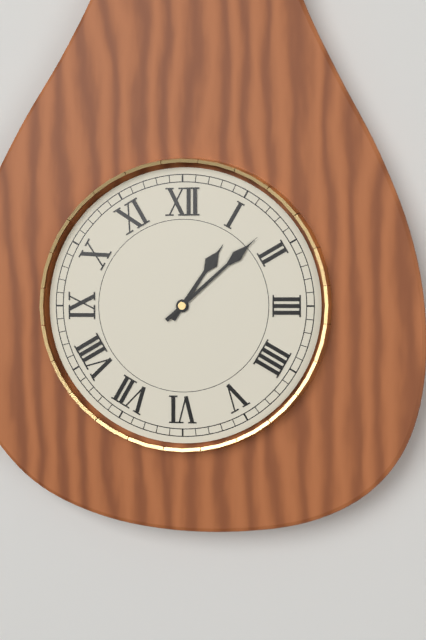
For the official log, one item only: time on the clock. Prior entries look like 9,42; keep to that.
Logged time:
1,08
